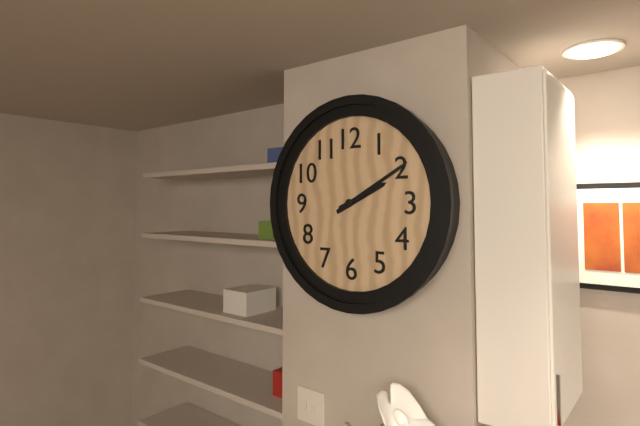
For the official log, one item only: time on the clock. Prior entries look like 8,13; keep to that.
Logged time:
2,10
